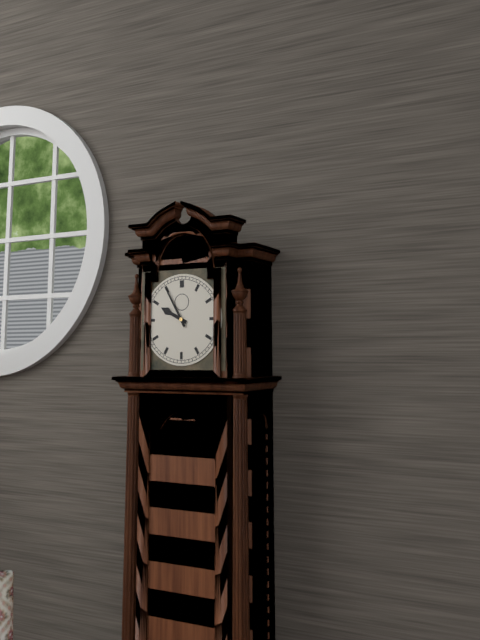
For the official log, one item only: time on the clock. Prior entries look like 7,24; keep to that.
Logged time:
9,55
